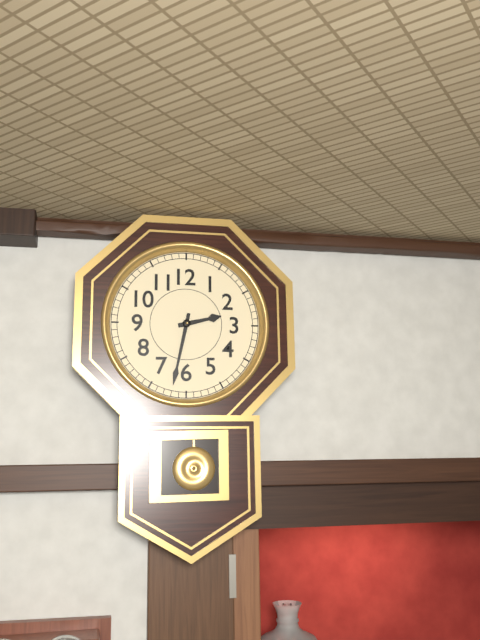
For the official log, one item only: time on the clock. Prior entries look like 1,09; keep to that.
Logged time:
2,32
